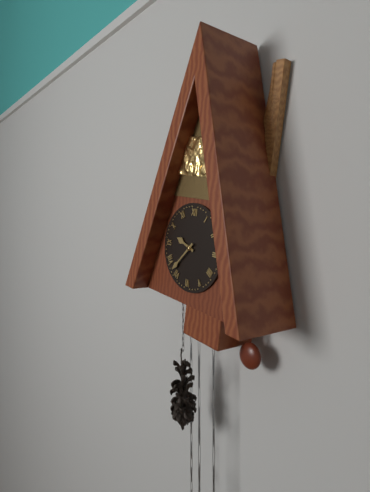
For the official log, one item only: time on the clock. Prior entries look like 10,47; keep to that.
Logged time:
9,37
